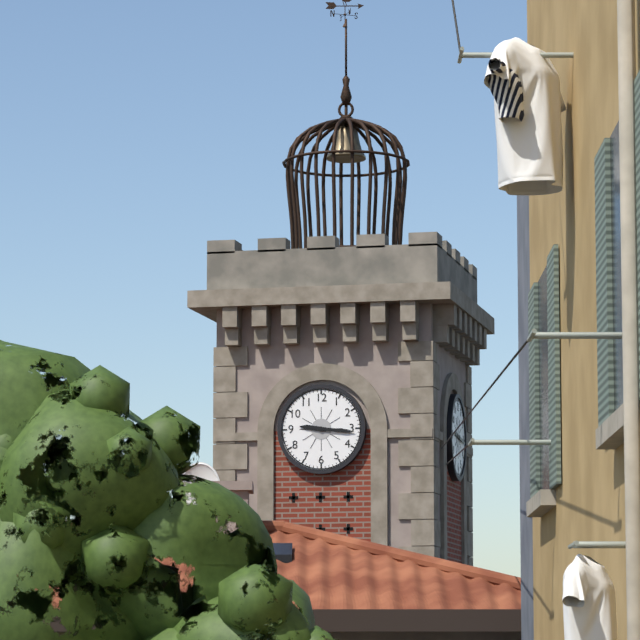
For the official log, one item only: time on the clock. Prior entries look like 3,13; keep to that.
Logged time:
9,16
